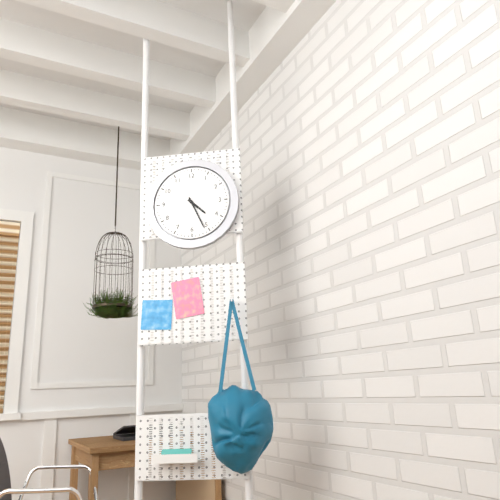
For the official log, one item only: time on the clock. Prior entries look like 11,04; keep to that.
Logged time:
4,26
